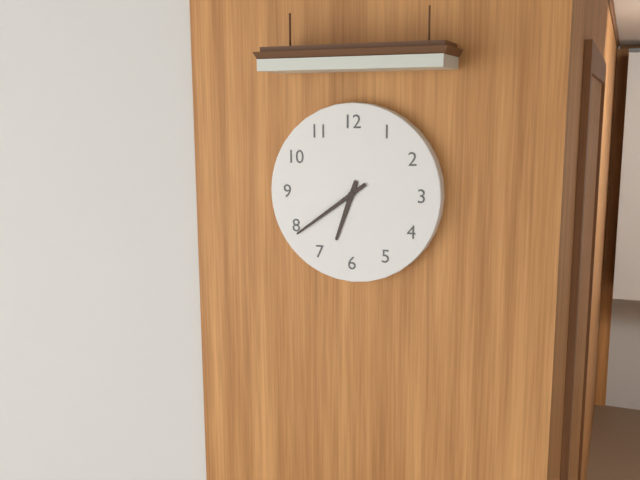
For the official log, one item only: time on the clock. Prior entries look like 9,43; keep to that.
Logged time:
6,39
